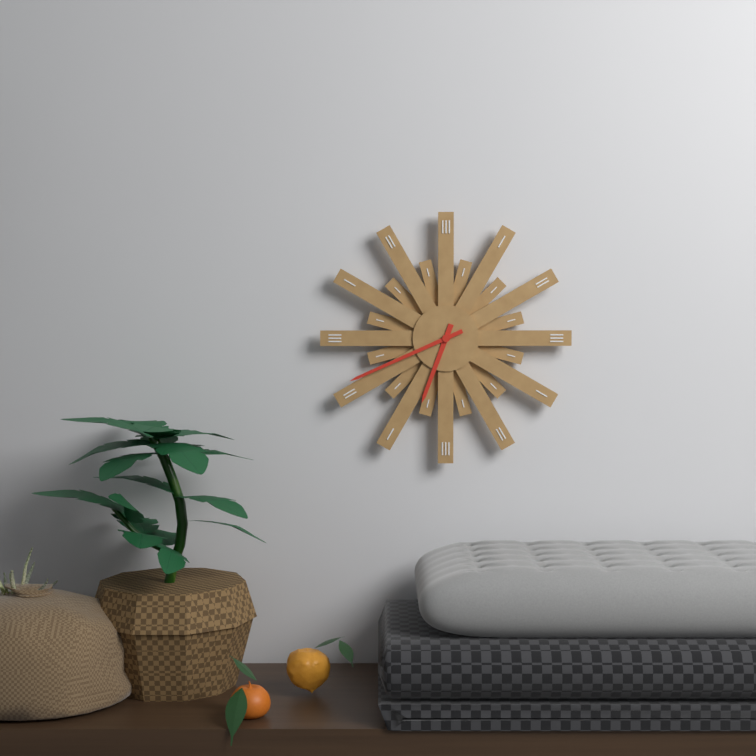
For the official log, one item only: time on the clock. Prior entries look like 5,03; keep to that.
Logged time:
6,41
